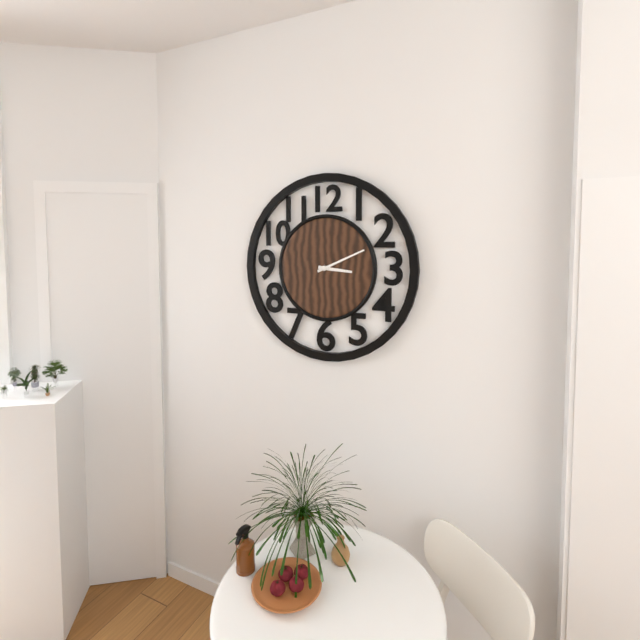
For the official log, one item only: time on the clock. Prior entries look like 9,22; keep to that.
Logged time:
3,11
